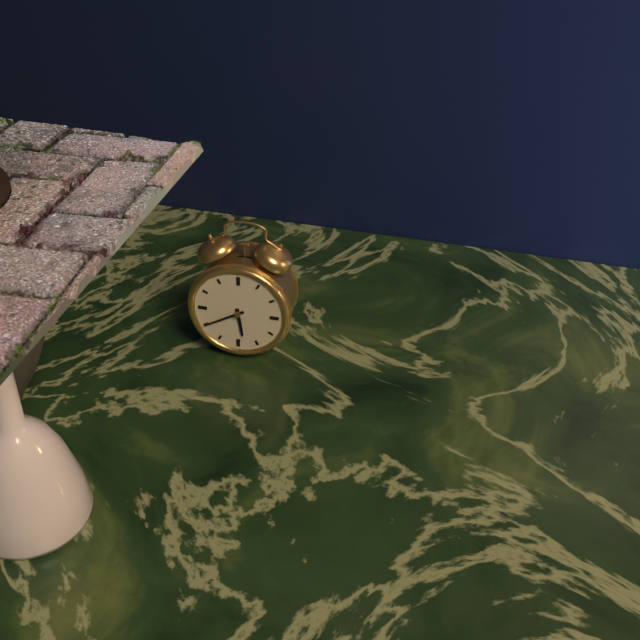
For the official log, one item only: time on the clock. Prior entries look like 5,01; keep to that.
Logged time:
5,40
